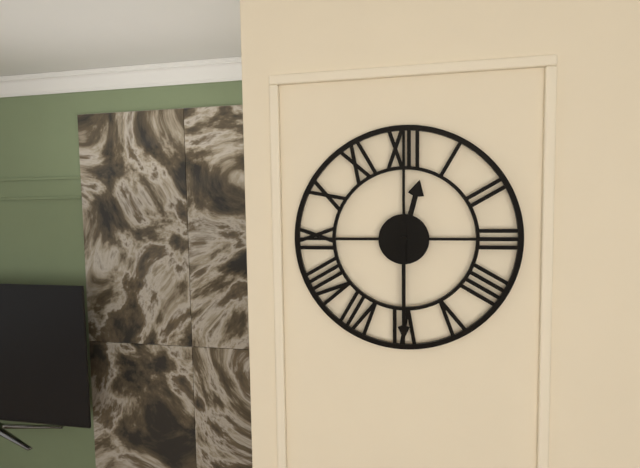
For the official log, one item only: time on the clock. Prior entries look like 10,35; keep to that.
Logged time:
12,30
